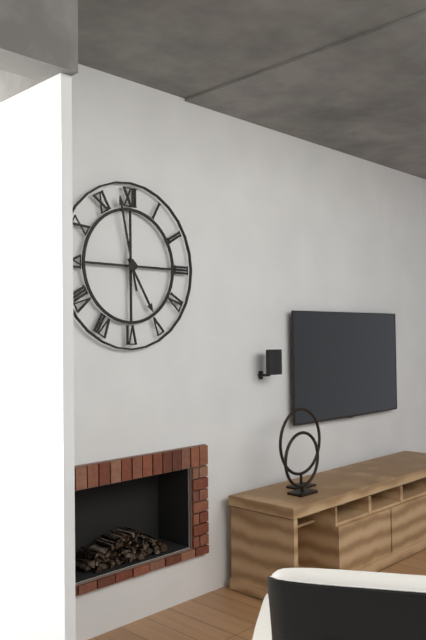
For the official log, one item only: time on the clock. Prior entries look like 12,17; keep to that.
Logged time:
4,58
